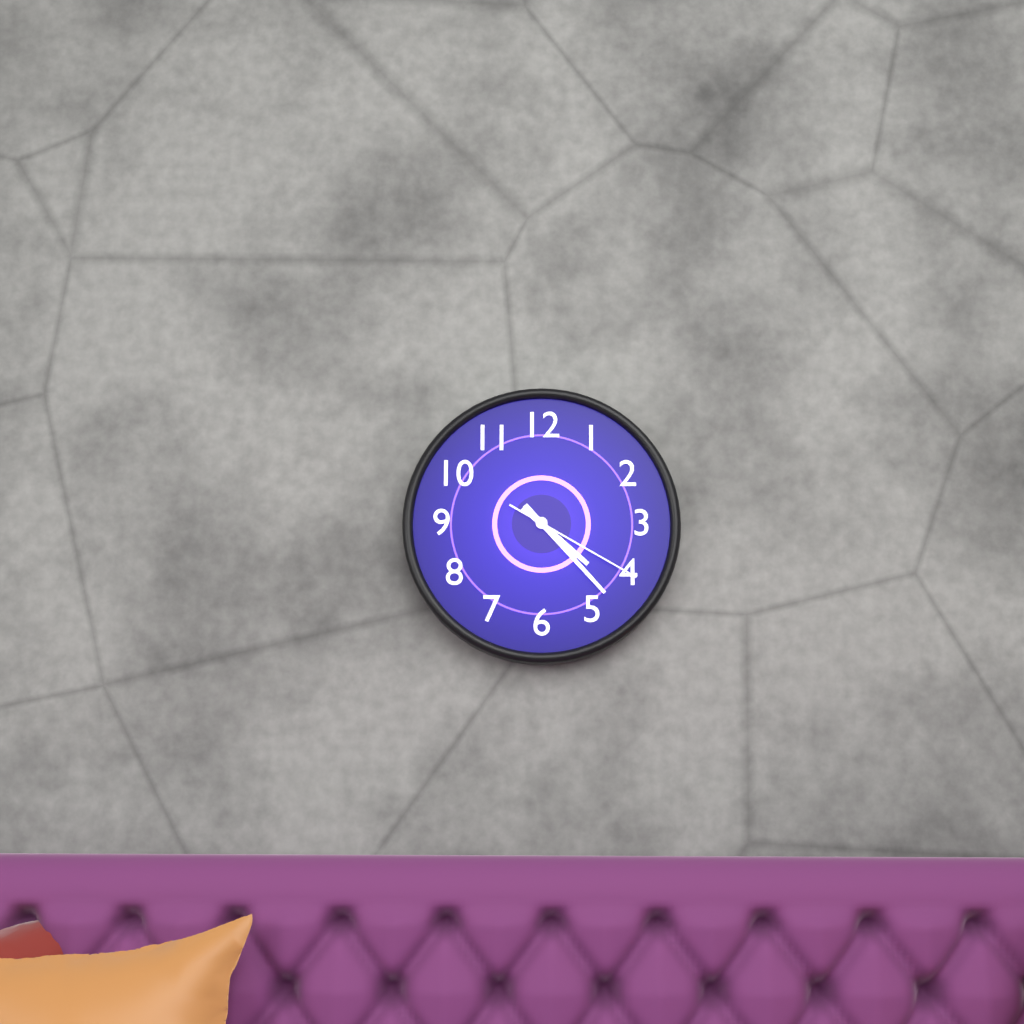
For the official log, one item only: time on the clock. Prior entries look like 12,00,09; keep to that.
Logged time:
4,23,20
